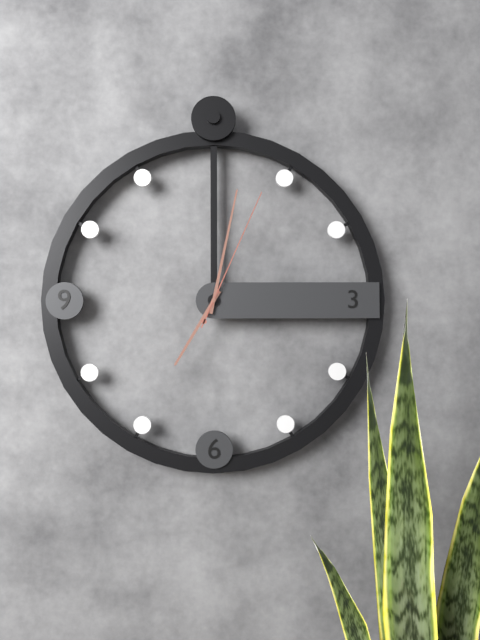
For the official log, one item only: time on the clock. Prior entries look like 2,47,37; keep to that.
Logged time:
7,02,04
